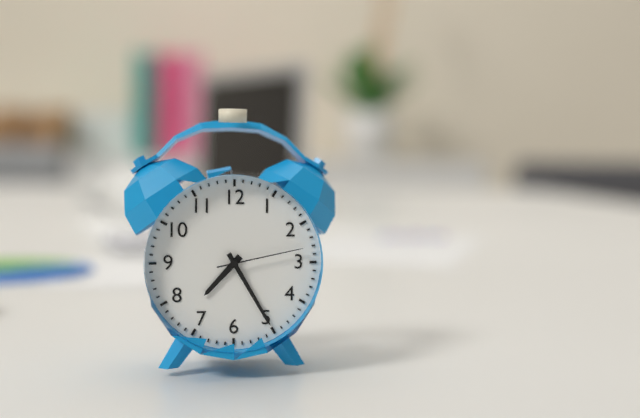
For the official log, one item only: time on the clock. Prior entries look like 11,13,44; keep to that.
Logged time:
7,25,13
